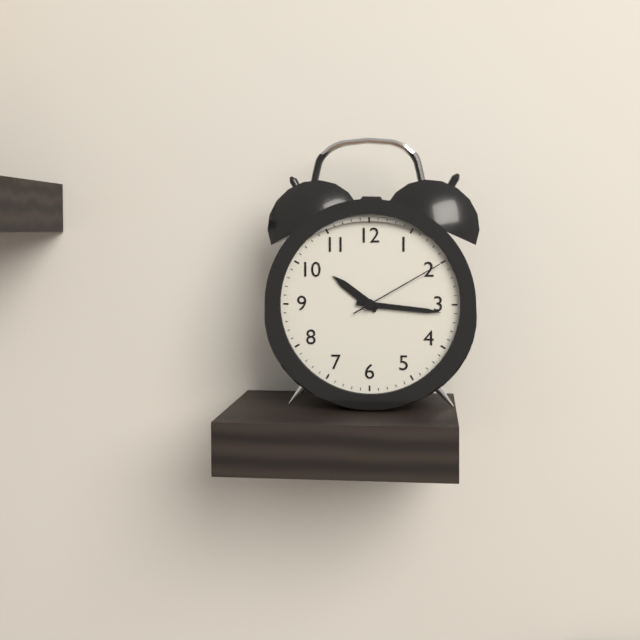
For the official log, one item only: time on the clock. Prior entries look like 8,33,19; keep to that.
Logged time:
10,16,10
